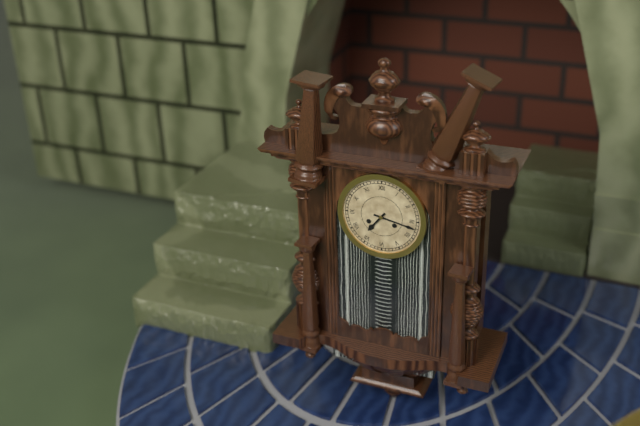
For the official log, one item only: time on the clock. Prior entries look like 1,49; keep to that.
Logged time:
7,17
